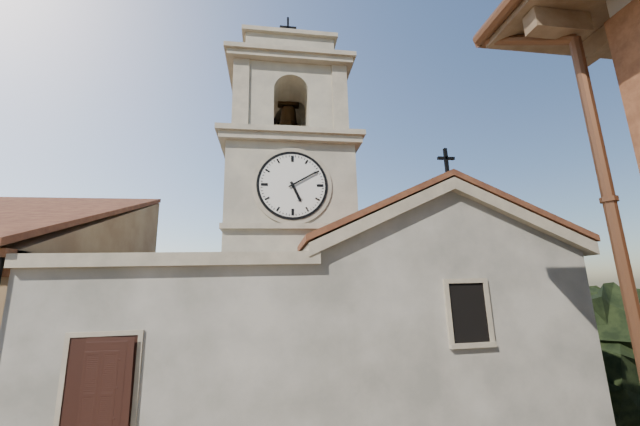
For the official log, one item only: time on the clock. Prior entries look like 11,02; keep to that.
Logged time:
5,10
